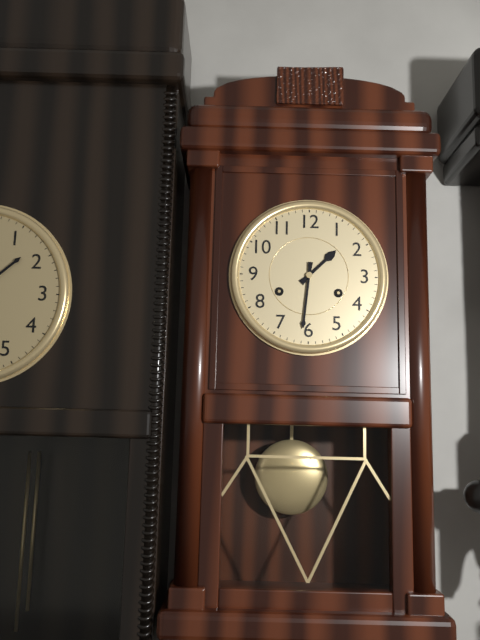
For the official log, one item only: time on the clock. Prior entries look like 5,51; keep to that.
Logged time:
1,31
